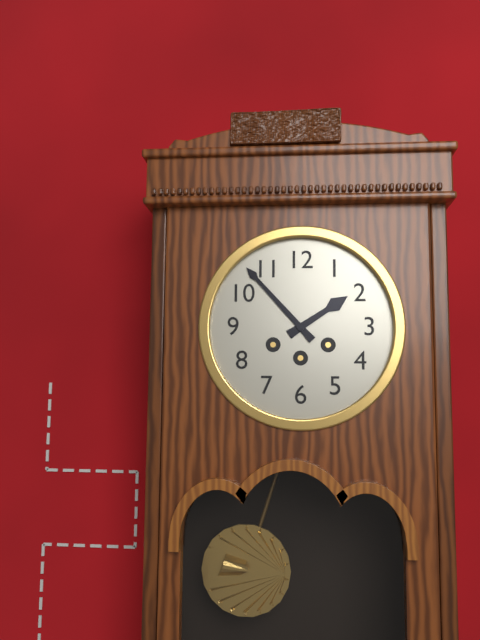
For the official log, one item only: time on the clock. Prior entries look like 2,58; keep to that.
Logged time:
1,53
